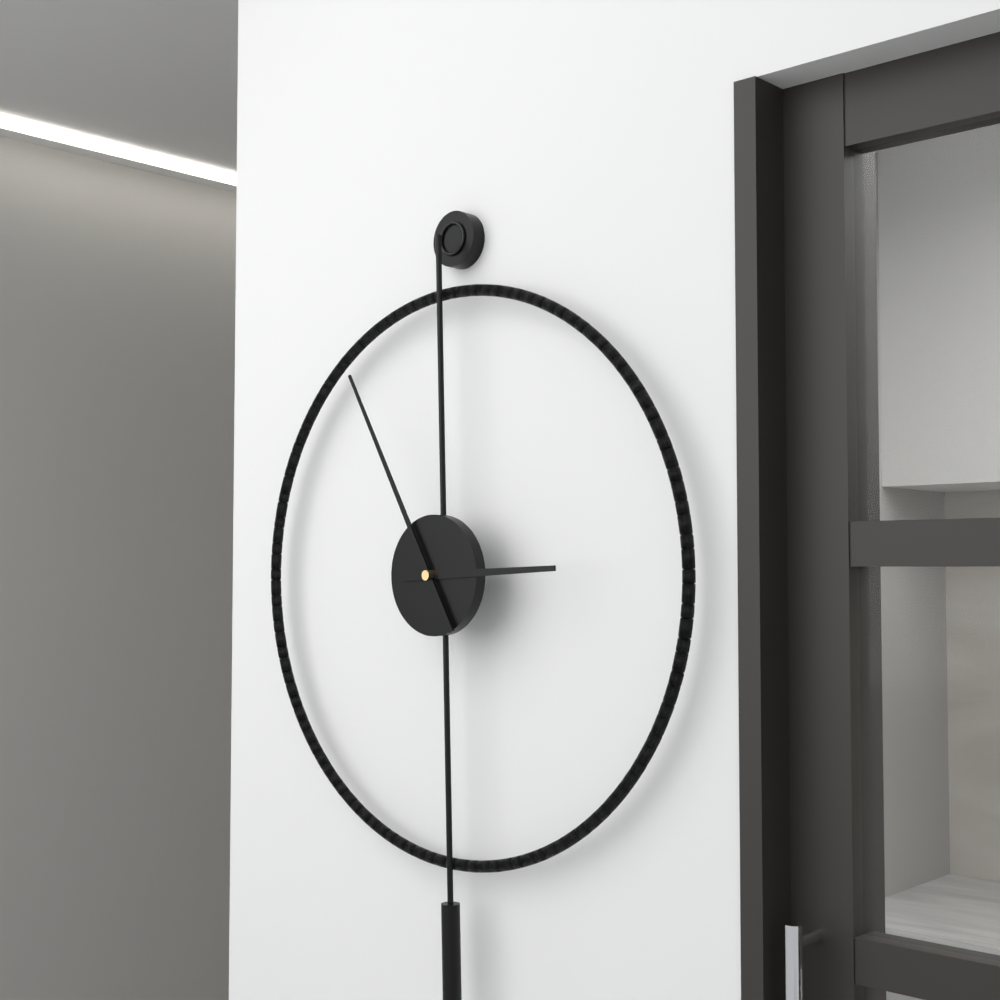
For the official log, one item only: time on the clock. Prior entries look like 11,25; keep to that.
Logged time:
2,55
